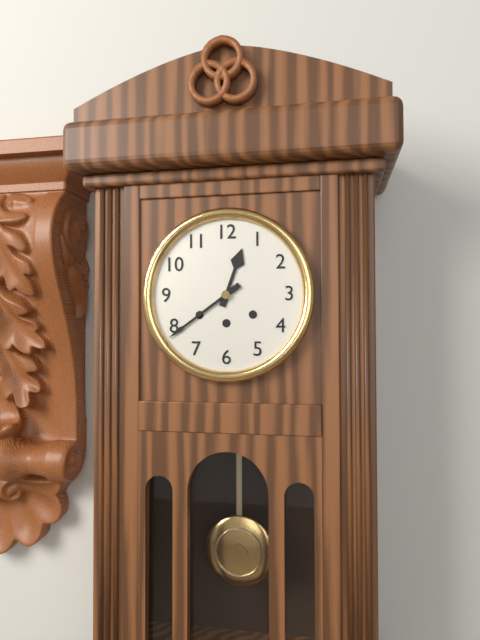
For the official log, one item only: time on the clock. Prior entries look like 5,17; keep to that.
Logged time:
12,39
